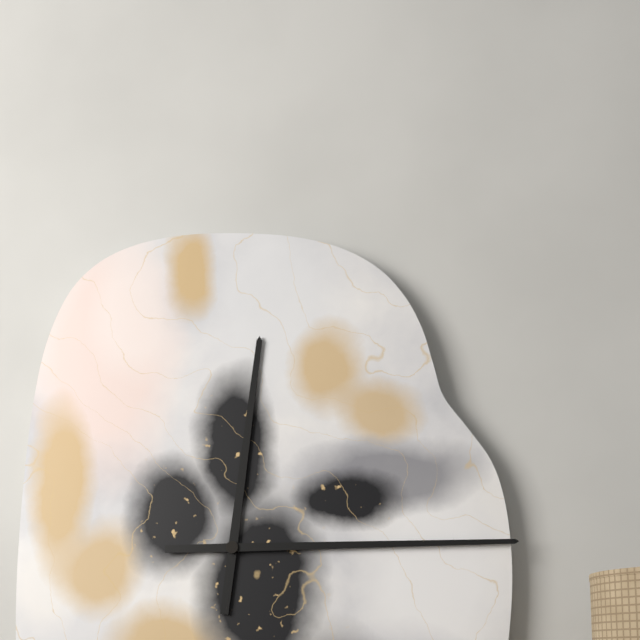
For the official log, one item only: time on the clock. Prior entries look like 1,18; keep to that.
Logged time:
12,15
